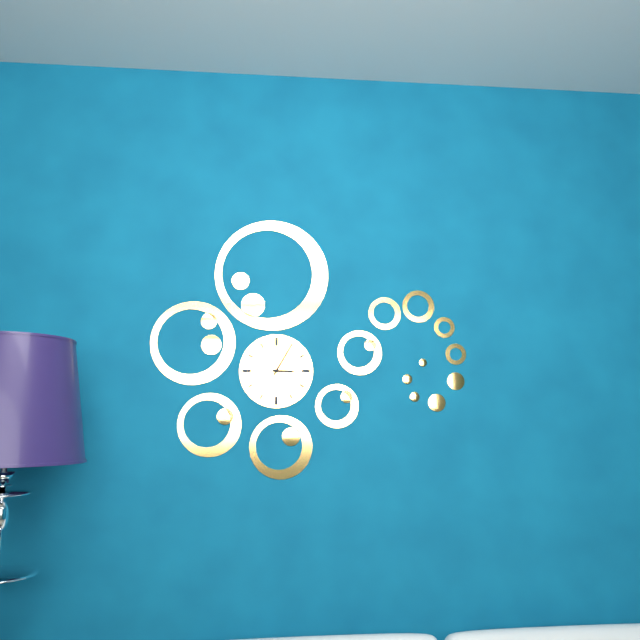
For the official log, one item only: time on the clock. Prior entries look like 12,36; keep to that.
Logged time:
3,05
